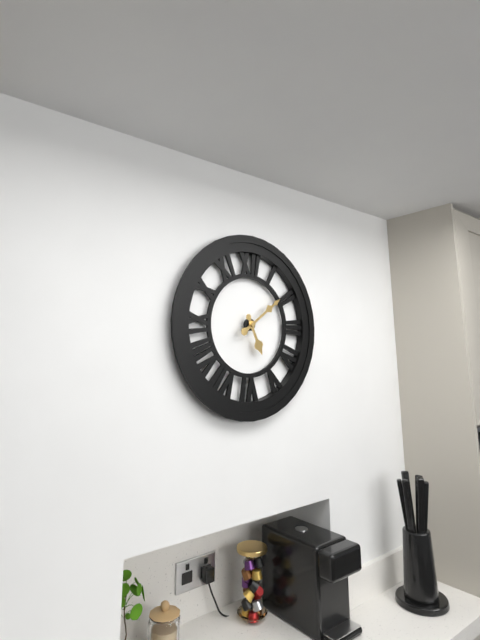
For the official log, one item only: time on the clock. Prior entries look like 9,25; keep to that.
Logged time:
5,09
